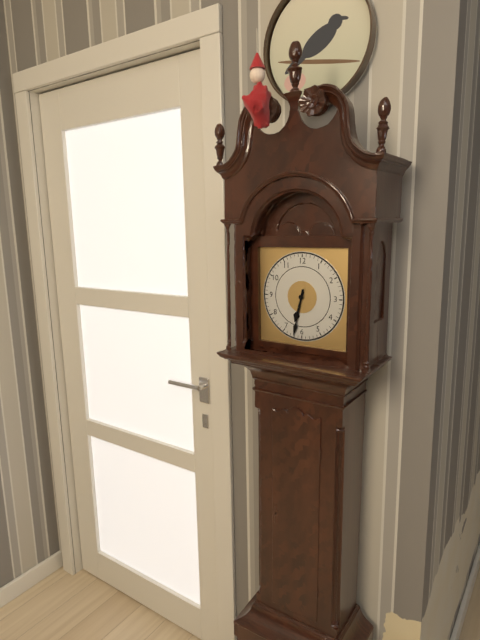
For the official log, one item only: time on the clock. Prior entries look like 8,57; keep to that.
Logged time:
6,32
